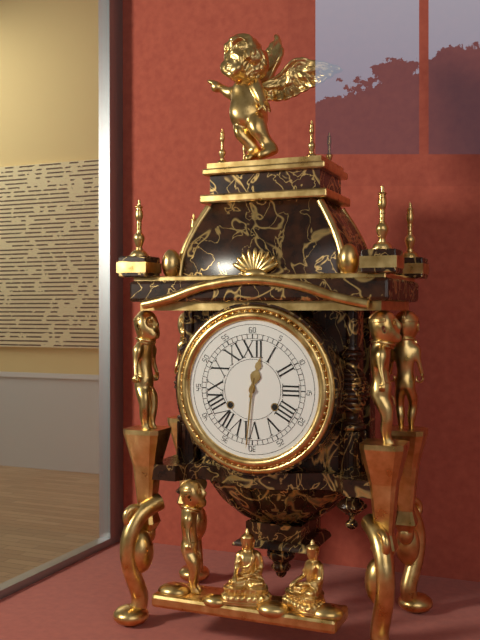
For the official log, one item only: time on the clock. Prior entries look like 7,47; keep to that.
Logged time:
12,31
